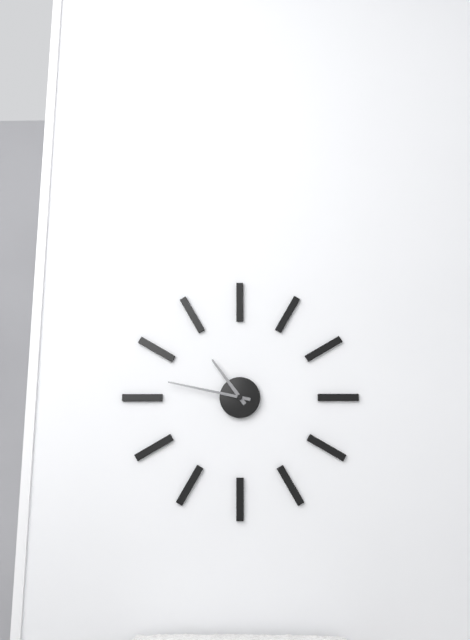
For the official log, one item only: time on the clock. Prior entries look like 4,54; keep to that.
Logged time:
10,47
